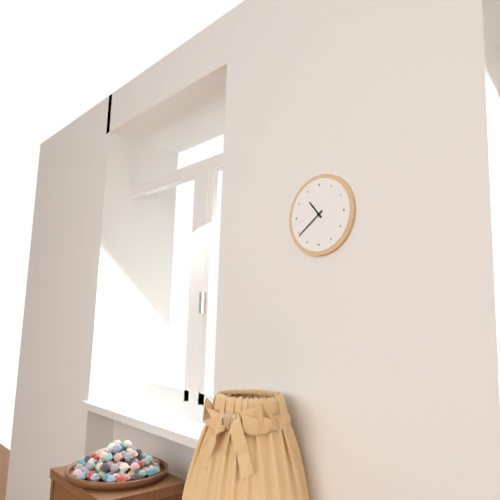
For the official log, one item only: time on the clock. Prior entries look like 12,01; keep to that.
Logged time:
10,39
